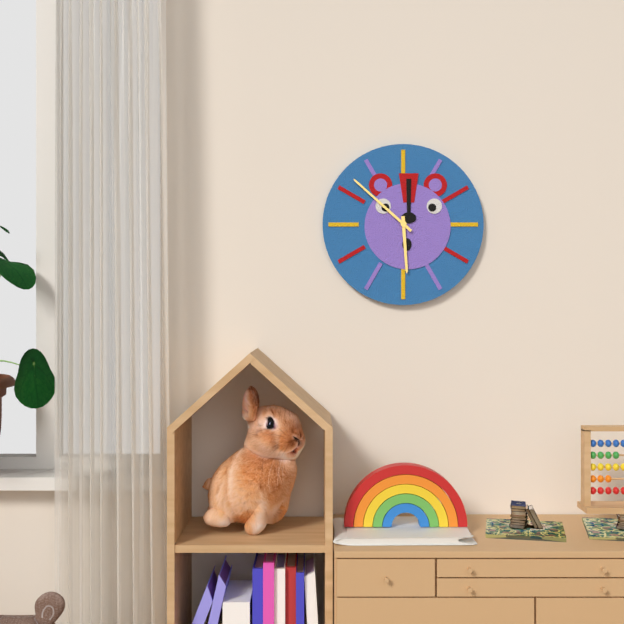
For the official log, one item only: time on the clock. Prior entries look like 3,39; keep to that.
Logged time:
5,52
